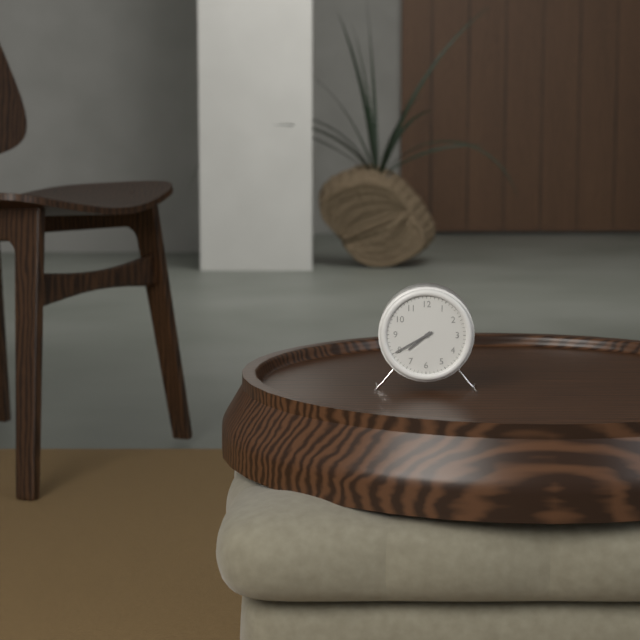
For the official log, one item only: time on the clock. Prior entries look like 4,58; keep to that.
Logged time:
7,40
